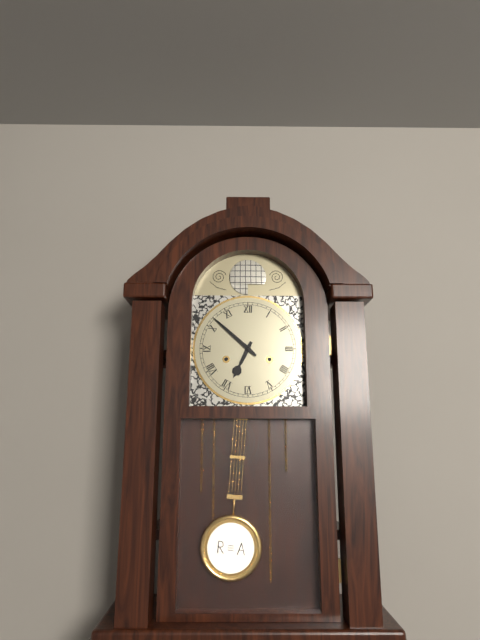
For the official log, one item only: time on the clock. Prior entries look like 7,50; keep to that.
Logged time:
6,52
